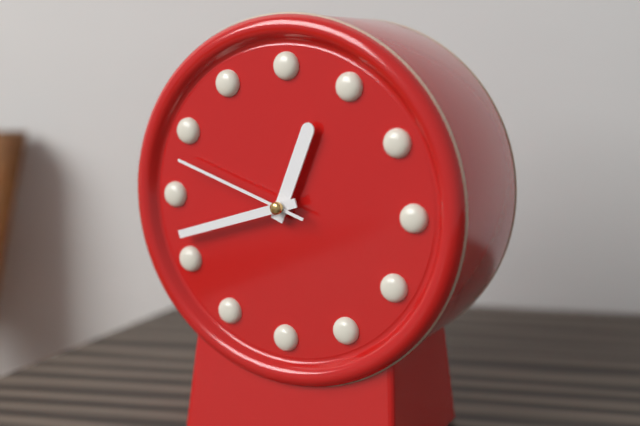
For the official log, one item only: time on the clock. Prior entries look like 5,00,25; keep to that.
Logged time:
12,42,48
